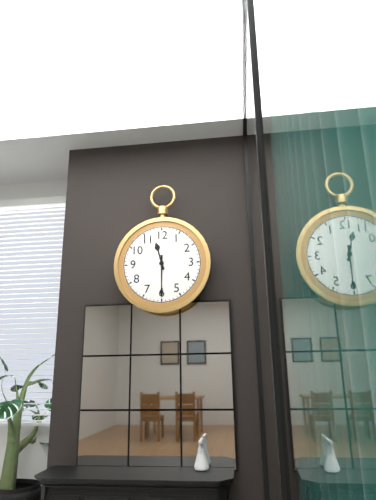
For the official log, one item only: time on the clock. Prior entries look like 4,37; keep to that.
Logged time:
11,30
